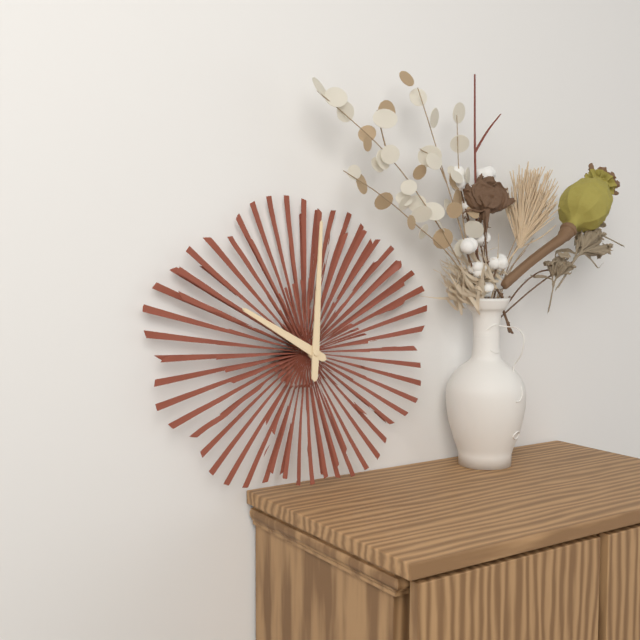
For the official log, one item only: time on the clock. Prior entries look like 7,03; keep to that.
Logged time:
10,01
